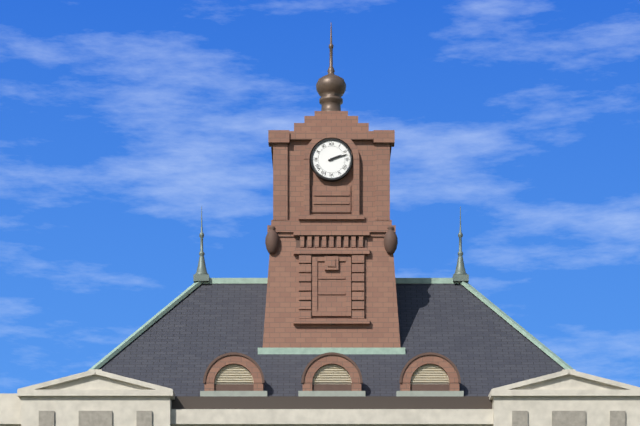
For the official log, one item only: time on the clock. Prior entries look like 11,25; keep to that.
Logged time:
2,12
